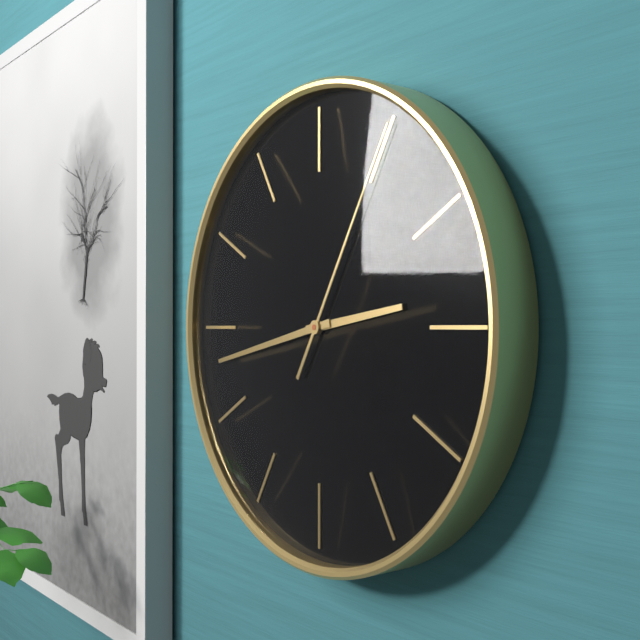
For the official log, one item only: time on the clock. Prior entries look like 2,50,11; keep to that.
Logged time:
2,43,05
